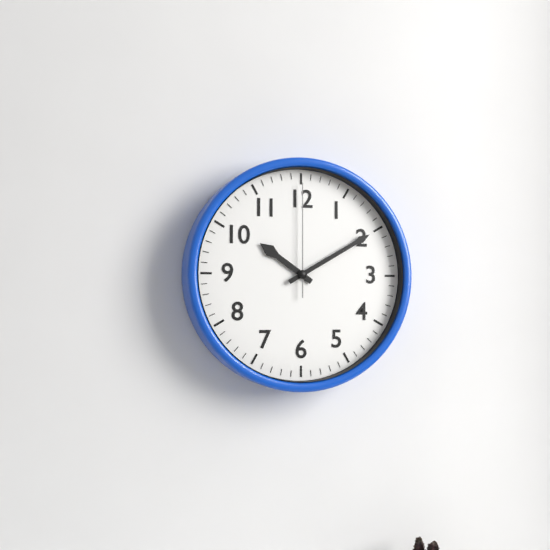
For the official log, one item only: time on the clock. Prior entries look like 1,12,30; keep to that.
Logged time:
10,10,00
